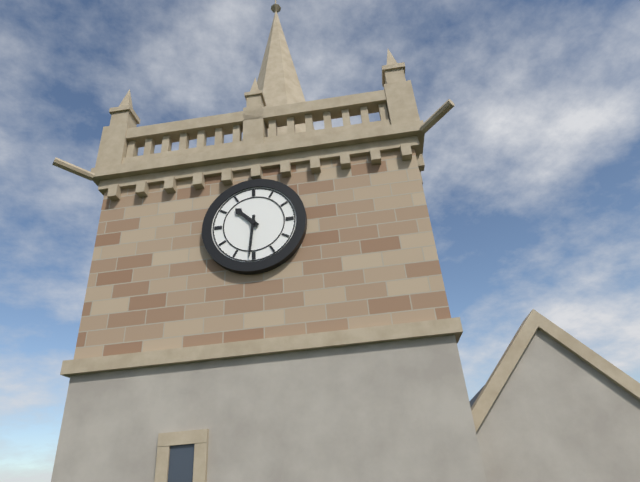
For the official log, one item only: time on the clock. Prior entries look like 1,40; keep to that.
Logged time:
10,31
